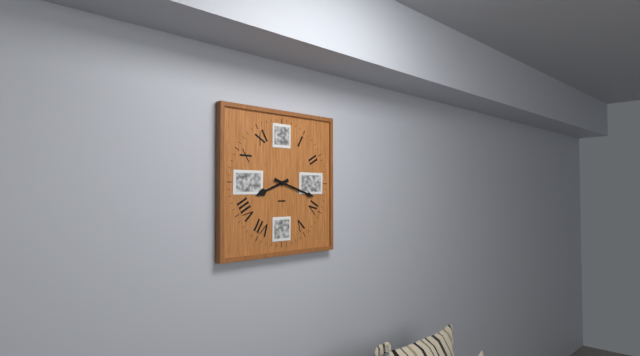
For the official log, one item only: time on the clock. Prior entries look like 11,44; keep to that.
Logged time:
8,18
